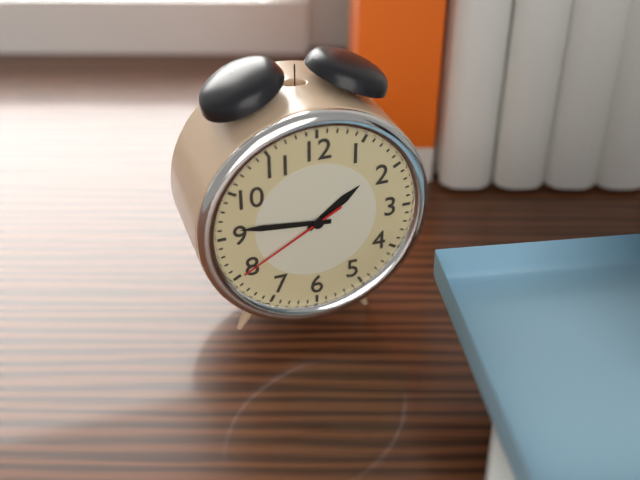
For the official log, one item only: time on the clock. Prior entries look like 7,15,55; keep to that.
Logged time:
1,46,40
